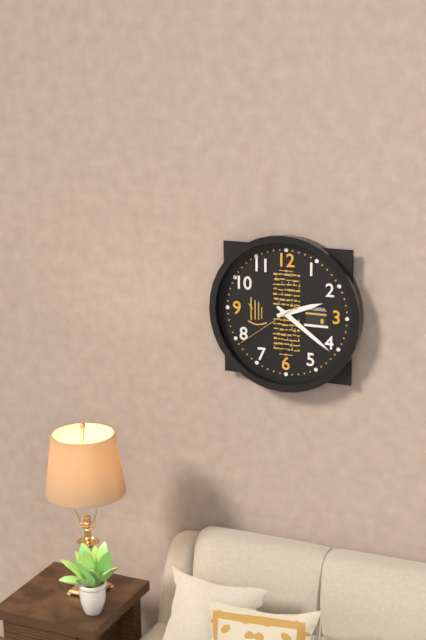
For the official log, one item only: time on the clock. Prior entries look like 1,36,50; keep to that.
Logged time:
2,21,39
